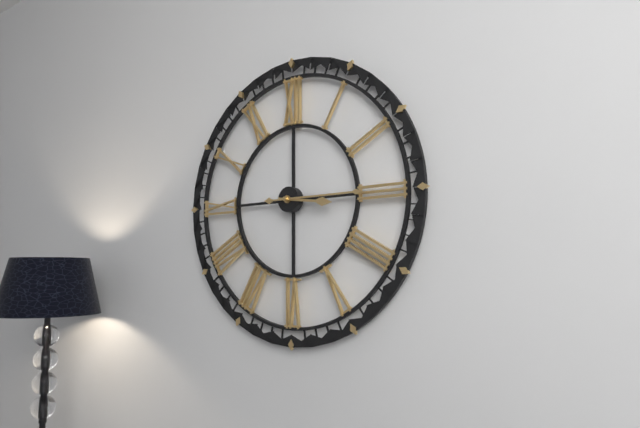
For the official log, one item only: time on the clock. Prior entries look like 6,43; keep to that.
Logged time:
3,15
